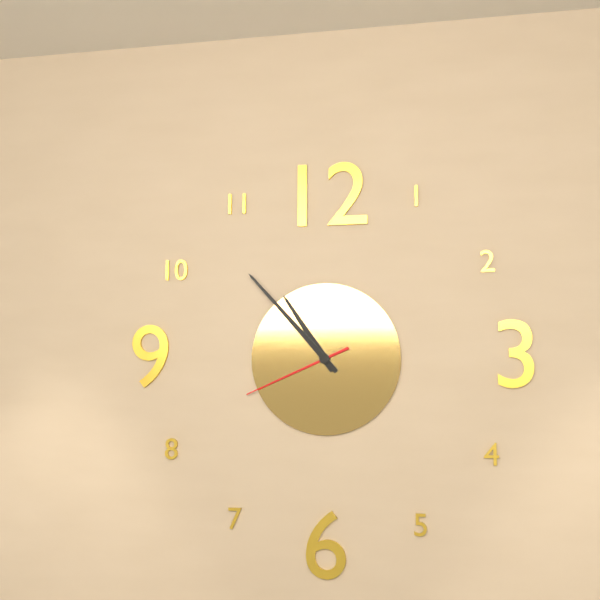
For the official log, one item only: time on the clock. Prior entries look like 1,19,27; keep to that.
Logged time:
10,53,41
